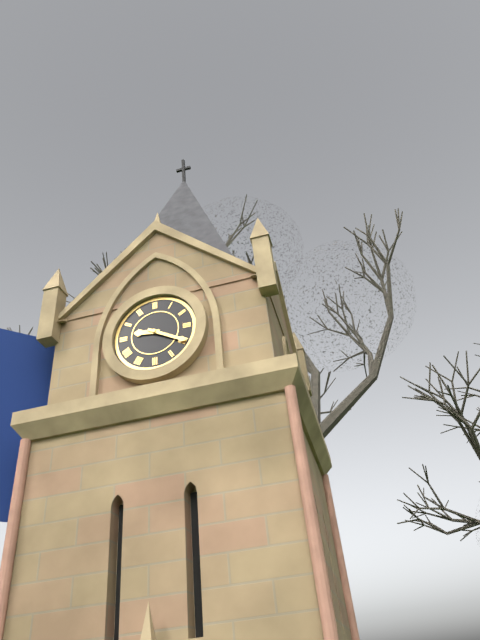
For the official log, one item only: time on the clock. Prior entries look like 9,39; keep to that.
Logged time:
9,20
